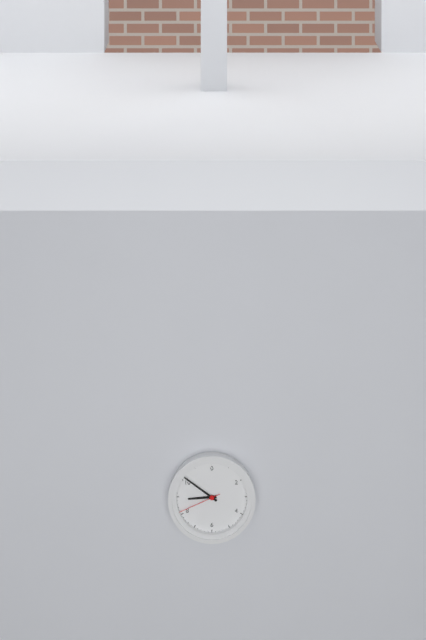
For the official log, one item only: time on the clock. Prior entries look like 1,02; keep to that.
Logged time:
8,51
